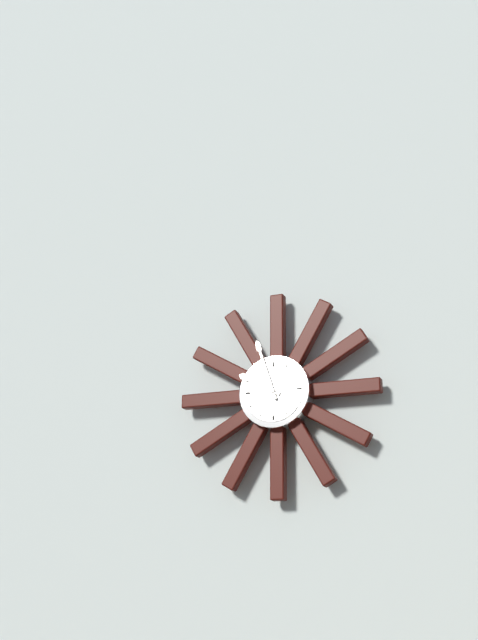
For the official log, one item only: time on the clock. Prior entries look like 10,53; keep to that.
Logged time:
9,57
